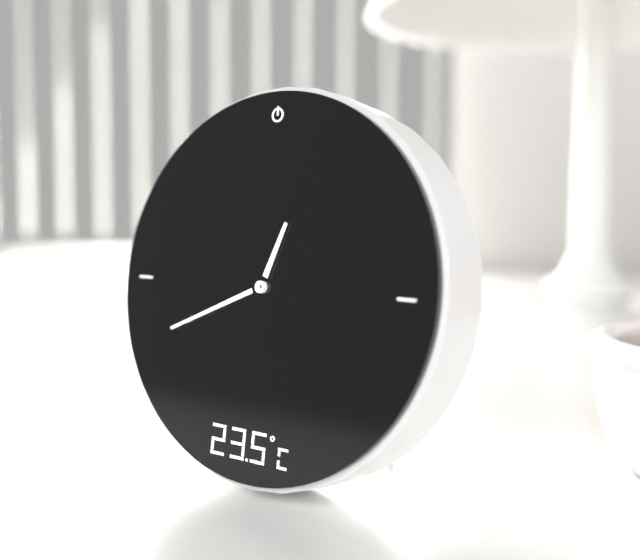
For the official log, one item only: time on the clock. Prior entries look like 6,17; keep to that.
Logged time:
12,41
